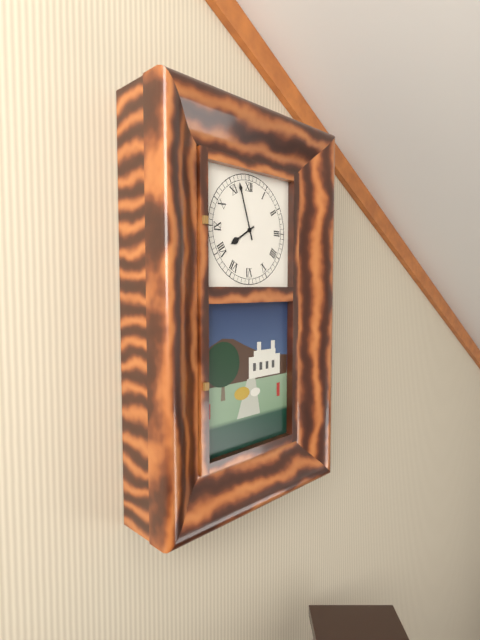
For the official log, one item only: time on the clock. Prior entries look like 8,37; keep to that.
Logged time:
7,57
